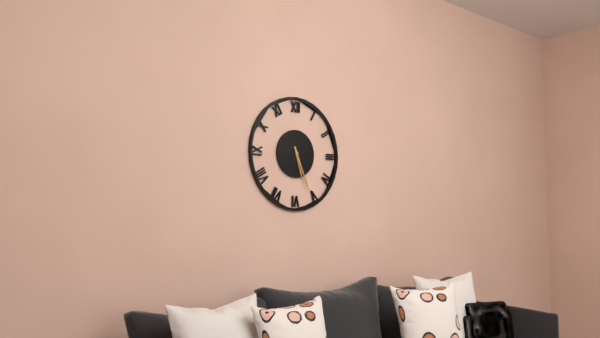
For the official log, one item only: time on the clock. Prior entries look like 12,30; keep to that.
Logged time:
5,26
